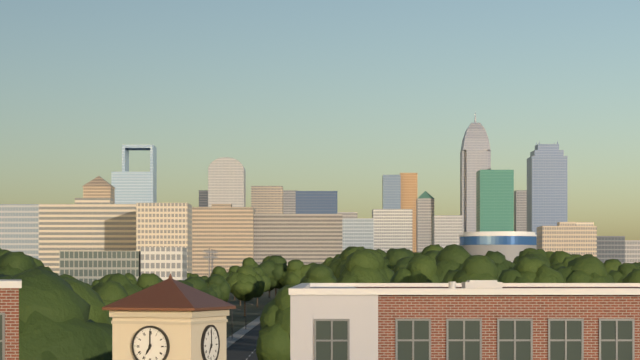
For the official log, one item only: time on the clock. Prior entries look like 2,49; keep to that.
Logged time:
7,00
